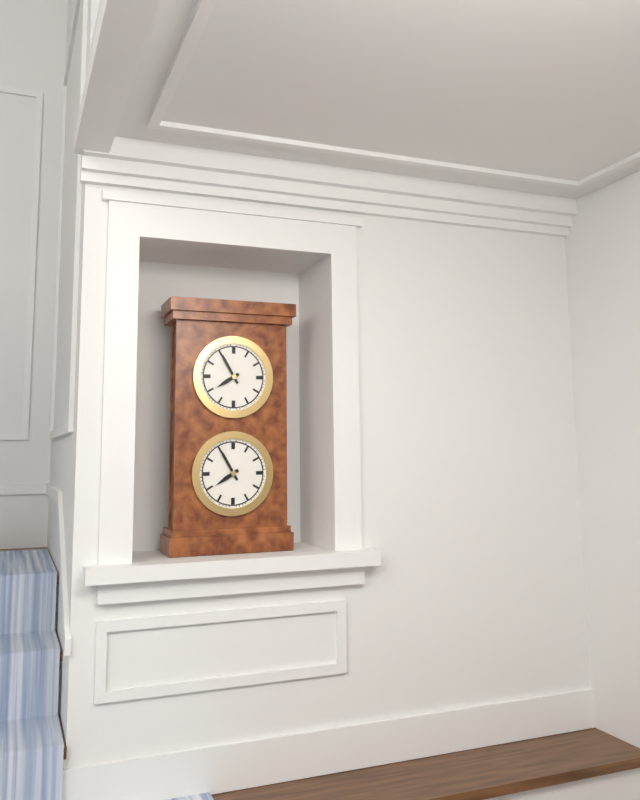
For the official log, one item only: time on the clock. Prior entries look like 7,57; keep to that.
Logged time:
7,55
